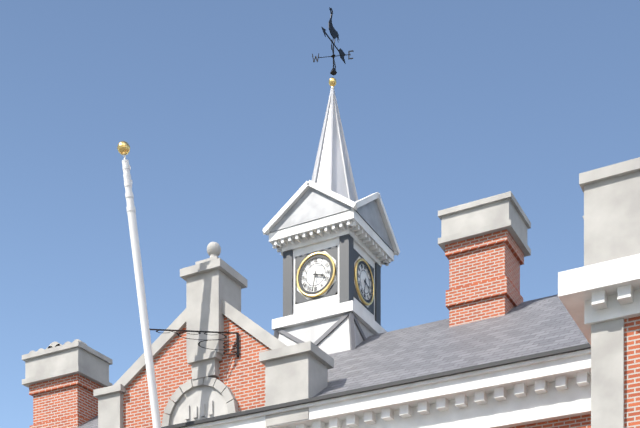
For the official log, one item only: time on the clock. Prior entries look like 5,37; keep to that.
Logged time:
3,32
